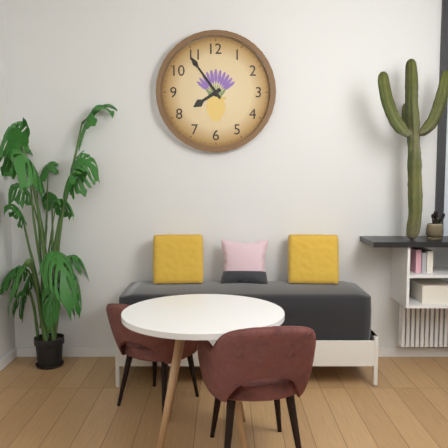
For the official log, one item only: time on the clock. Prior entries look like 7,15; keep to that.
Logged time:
7,54
